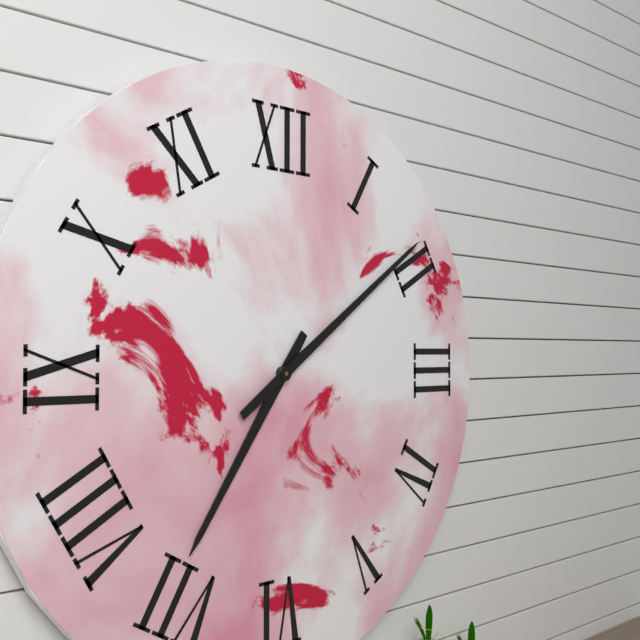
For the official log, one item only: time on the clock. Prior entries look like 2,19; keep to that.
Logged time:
7,09
